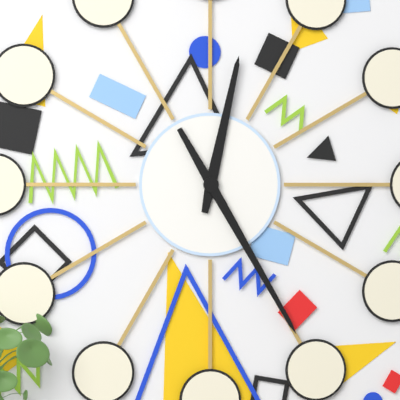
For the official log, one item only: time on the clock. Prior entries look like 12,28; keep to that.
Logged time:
12,25
